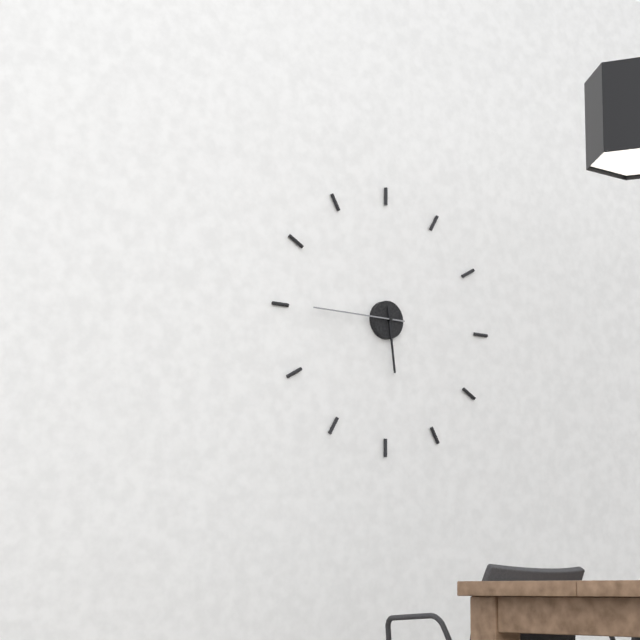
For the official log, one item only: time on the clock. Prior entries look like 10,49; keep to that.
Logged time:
5,45
